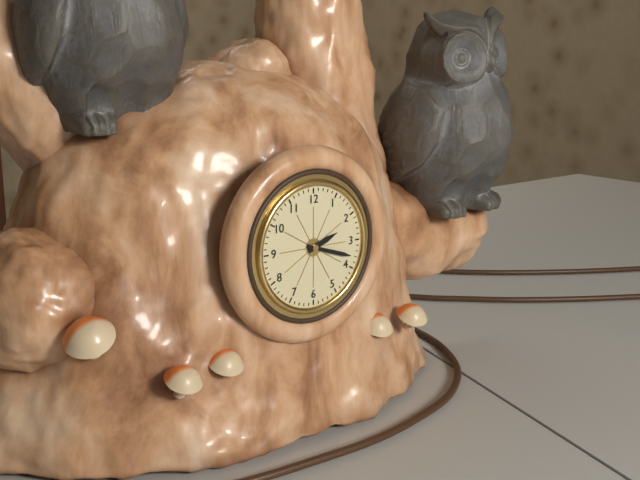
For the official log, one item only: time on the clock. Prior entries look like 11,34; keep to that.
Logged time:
2,18
